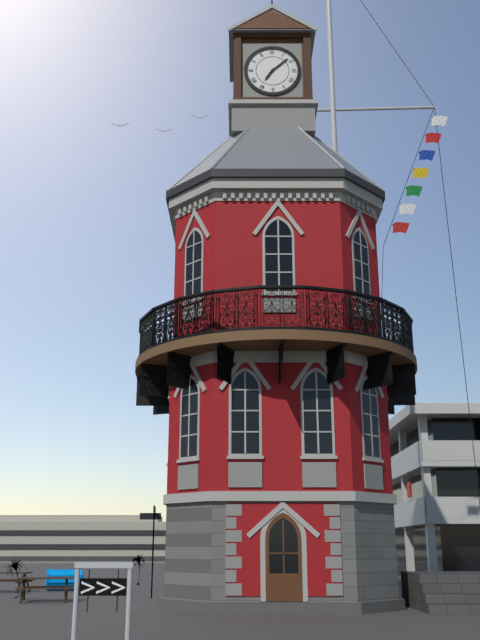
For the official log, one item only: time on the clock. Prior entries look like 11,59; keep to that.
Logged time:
7,08
